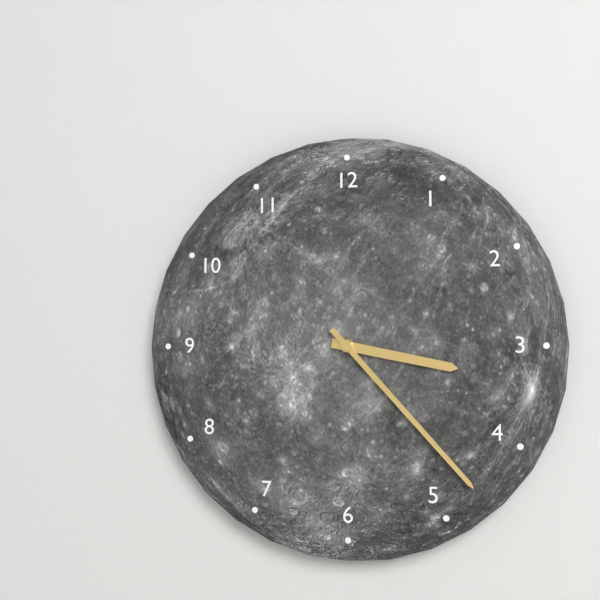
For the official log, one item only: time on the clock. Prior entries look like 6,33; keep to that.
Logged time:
3,23
